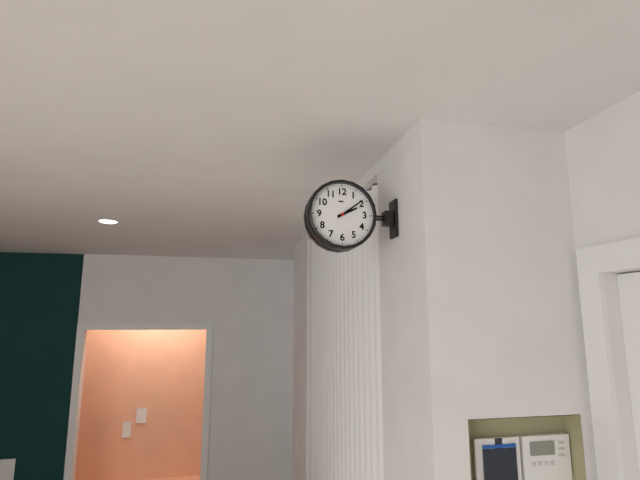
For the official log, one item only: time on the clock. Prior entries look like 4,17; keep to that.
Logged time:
2,09
